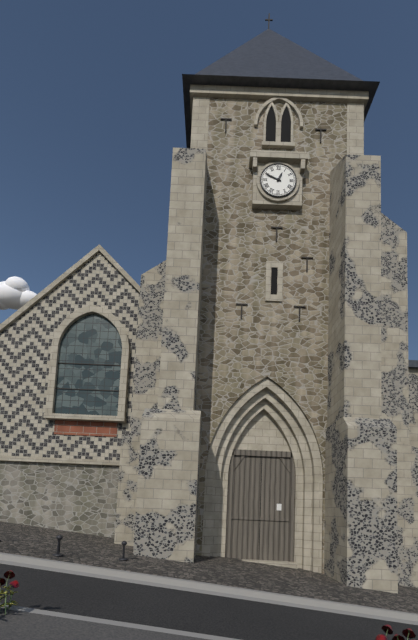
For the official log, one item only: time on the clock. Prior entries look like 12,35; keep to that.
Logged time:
12,49
